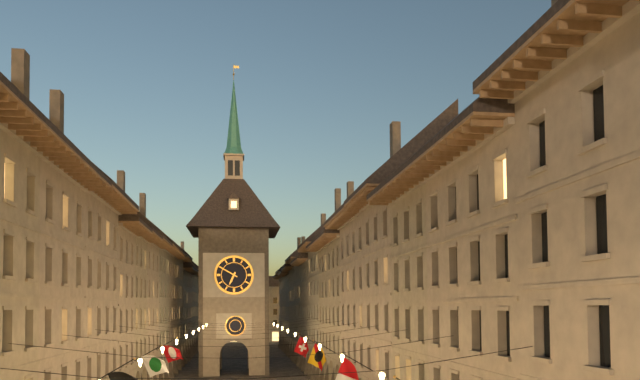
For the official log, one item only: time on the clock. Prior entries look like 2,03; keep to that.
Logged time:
6,50
